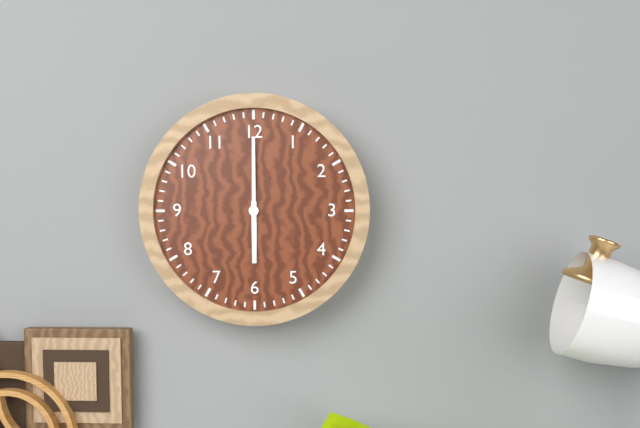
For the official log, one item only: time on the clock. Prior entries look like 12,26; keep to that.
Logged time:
6,00
